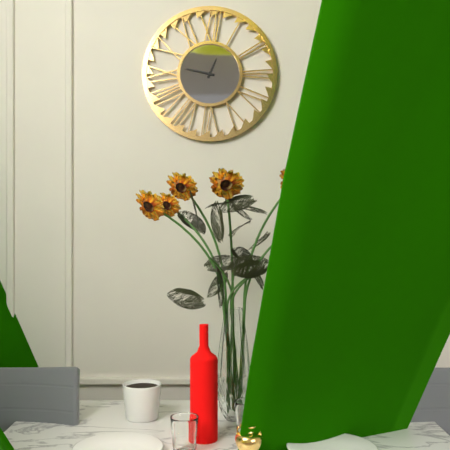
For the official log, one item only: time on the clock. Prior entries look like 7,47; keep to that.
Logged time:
12,47
